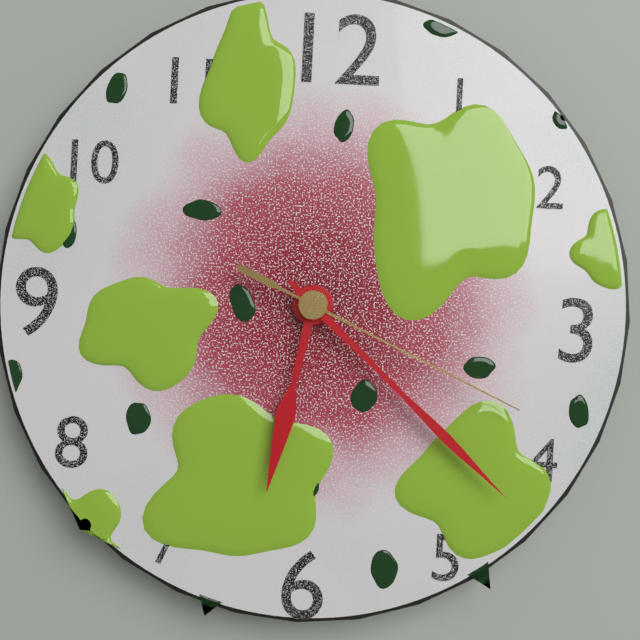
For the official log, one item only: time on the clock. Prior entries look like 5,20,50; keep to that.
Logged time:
6,22,19
